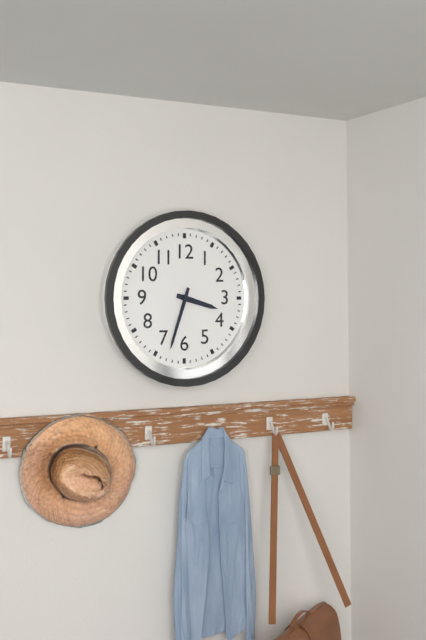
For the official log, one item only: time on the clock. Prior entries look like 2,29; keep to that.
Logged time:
3,33
